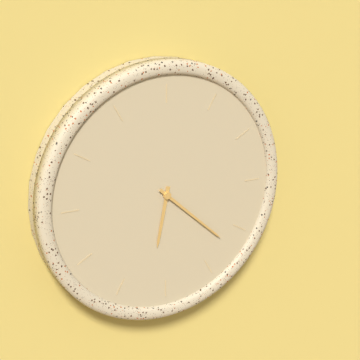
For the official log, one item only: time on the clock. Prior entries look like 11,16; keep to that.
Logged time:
6,22
